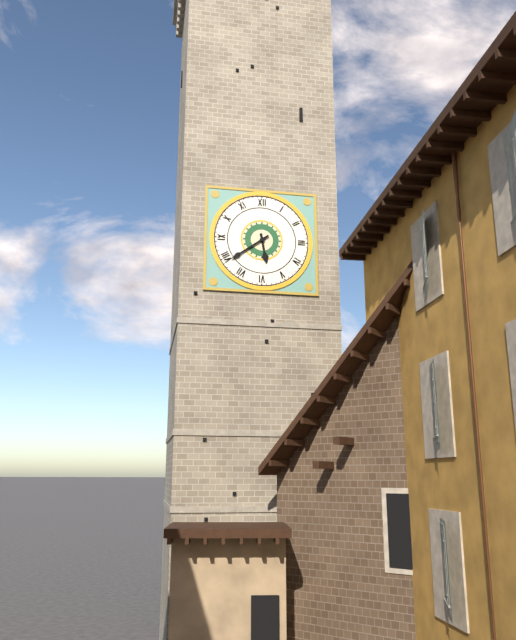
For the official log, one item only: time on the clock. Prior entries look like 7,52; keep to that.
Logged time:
5,39
